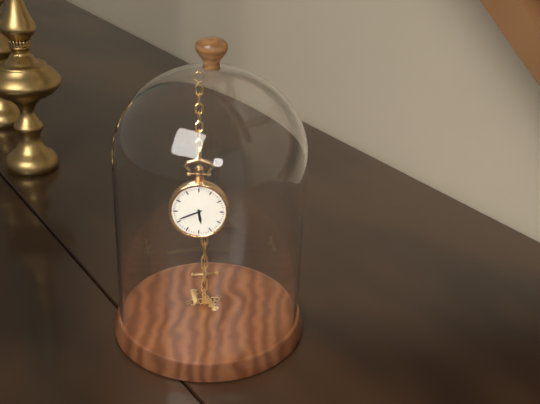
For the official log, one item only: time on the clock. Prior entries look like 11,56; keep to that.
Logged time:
5,41
